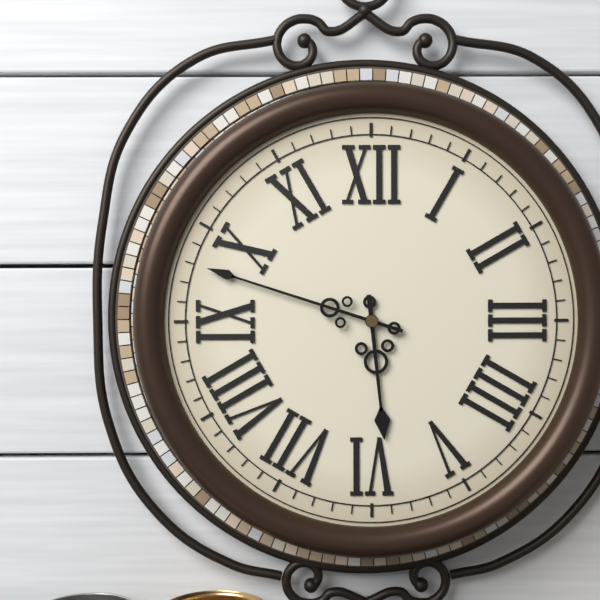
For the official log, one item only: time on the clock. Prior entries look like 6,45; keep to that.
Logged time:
5,48
